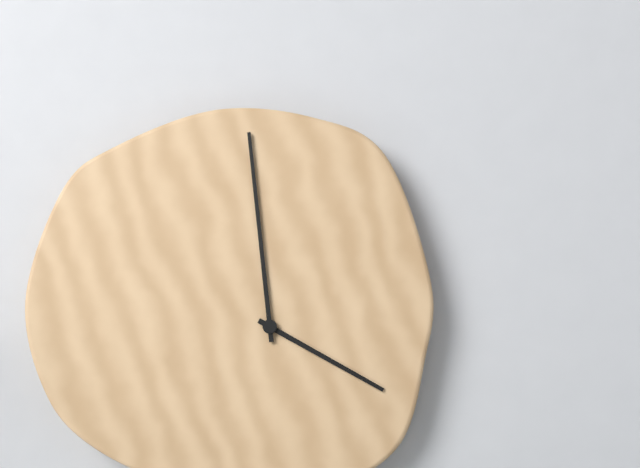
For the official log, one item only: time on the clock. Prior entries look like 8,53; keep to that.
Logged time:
3,59
